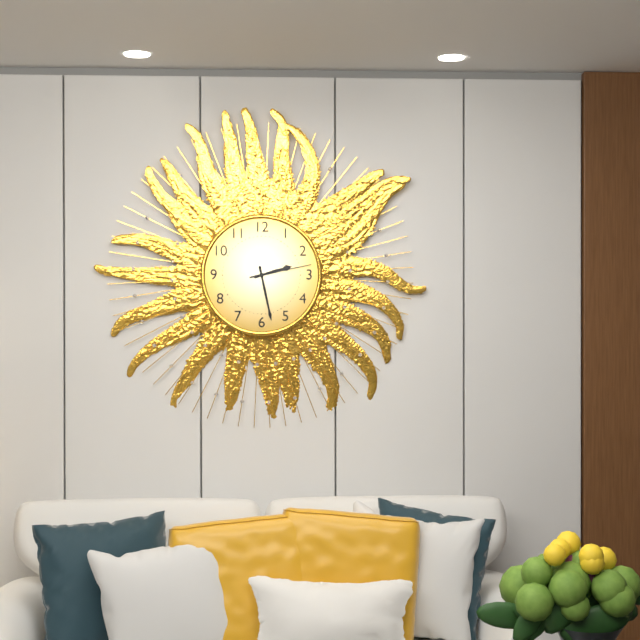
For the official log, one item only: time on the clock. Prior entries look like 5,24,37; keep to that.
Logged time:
2,28,13
